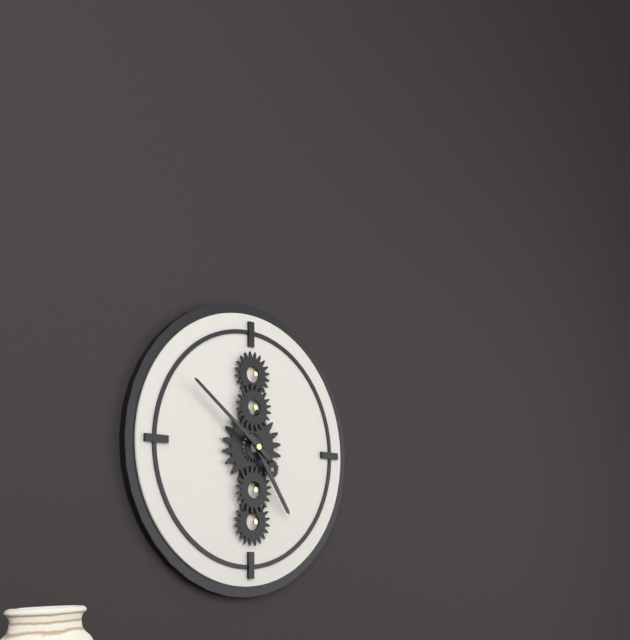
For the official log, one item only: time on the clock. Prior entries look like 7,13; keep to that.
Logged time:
4,51
